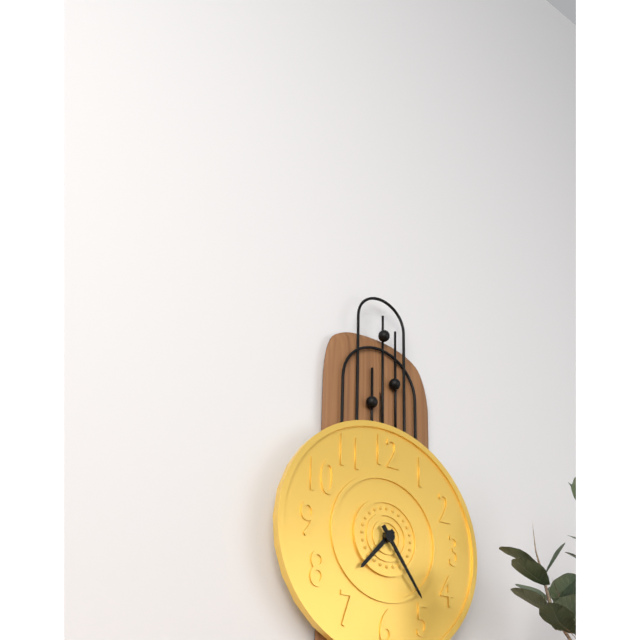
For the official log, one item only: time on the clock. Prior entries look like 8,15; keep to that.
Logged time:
7,24
